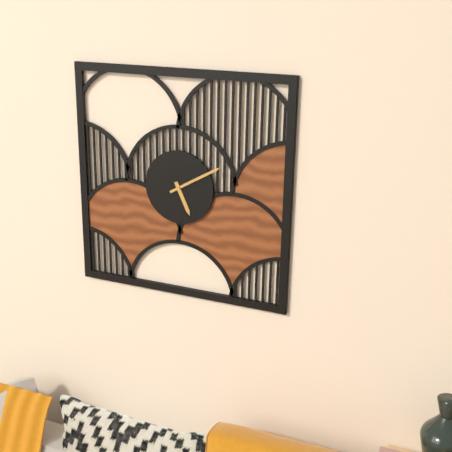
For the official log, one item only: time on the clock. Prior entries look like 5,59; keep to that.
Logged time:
5,10
